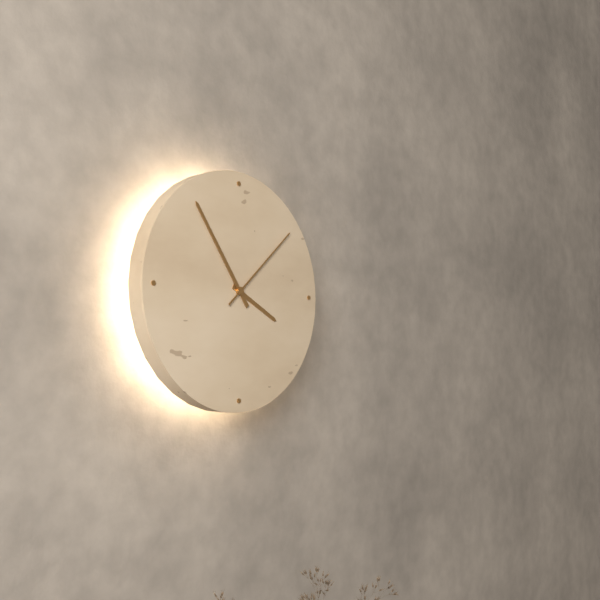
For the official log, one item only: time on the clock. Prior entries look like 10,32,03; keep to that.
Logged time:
3,54,08
